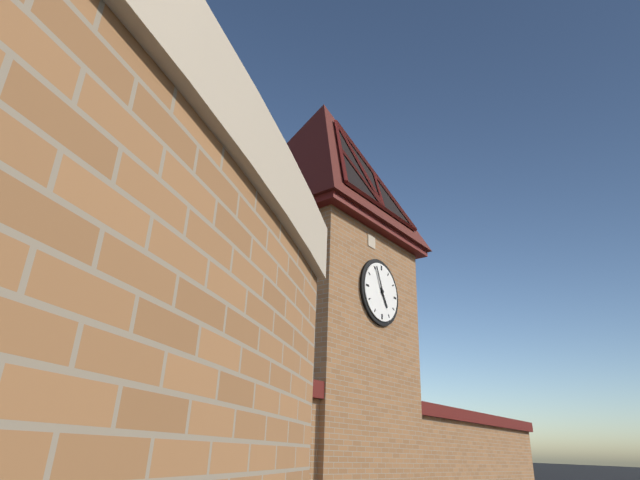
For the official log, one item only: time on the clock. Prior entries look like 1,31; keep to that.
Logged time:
4,56
